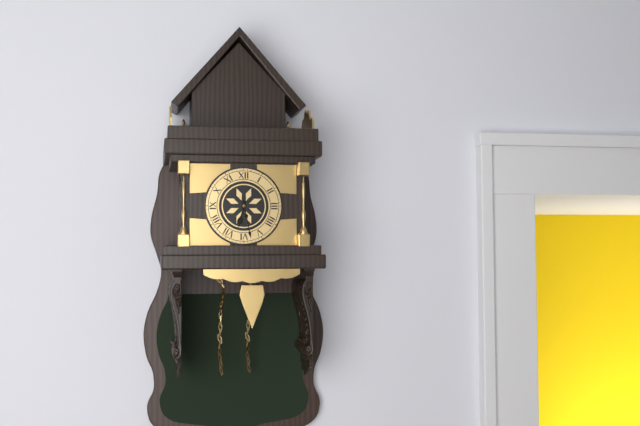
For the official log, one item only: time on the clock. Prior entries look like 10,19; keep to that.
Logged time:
6,28
